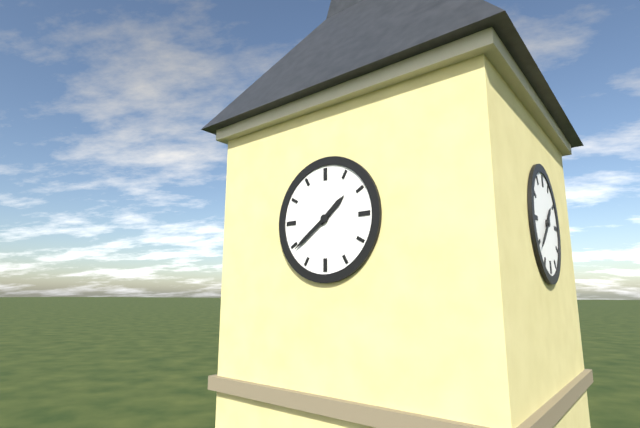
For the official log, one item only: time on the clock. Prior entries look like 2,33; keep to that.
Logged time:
1,39
